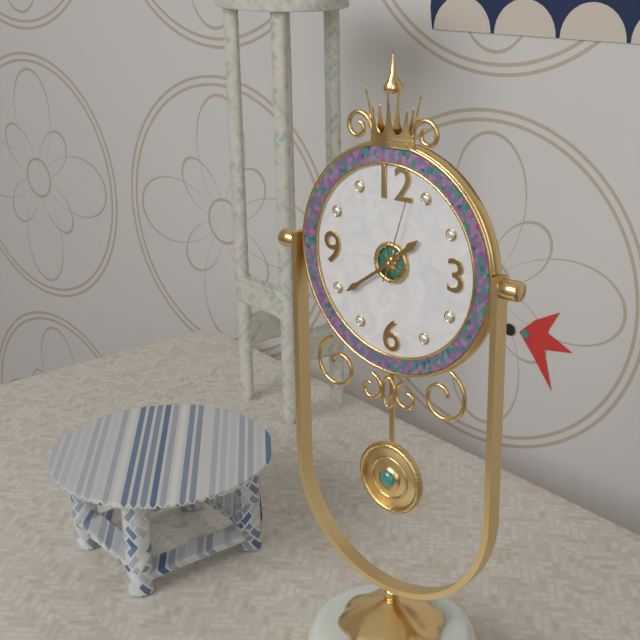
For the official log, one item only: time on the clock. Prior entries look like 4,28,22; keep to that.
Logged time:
1,39,03
